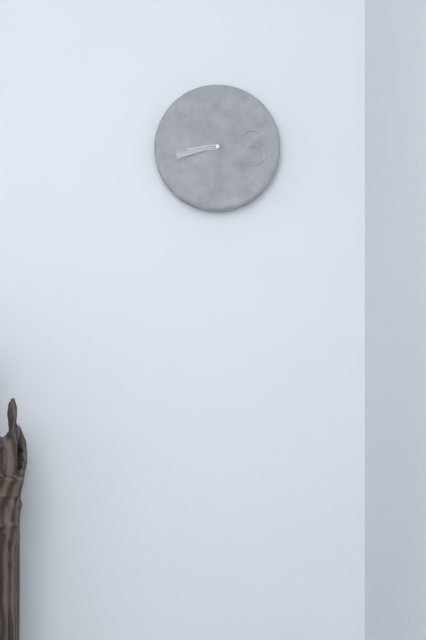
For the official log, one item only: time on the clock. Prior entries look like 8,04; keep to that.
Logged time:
8,43
